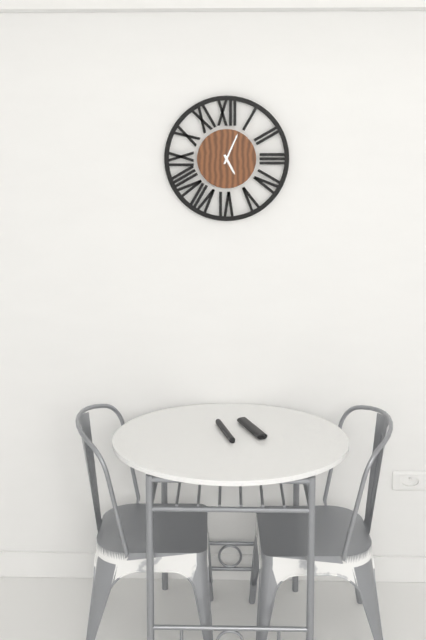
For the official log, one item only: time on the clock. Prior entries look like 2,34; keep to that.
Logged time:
5,04
